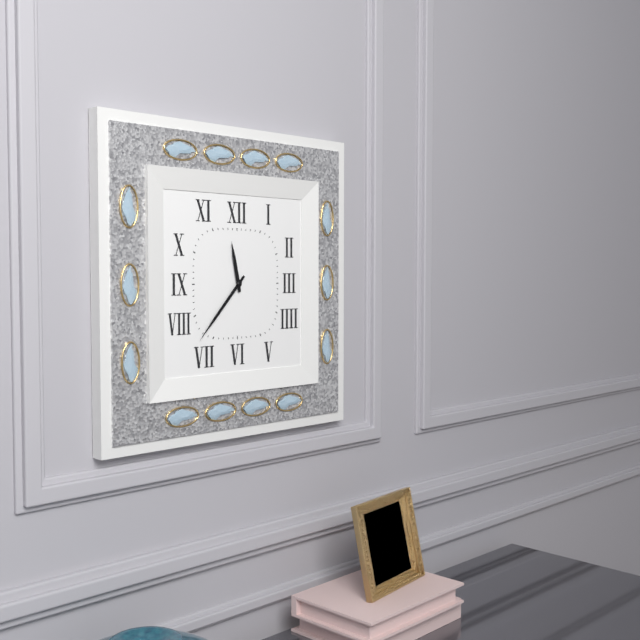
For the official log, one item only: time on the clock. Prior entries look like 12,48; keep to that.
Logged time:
11,37
